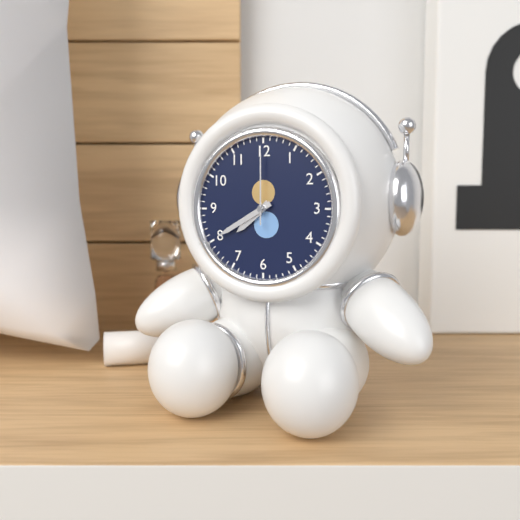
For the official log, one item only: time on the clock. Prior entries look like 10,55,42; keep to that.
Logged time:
7,40,00
